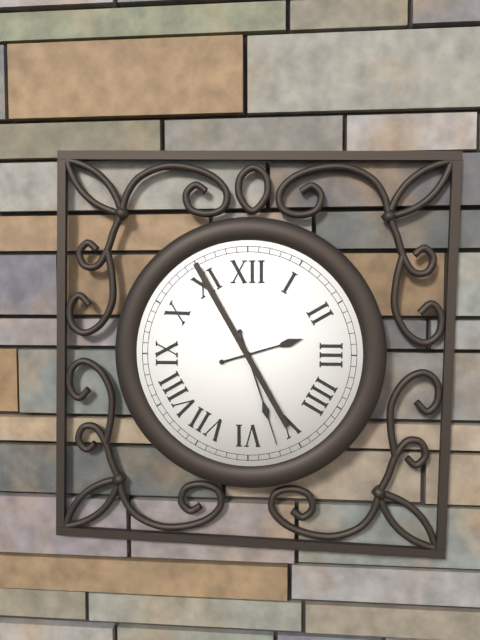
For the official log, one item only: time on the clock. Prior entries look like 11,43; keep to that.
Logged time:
2,27
